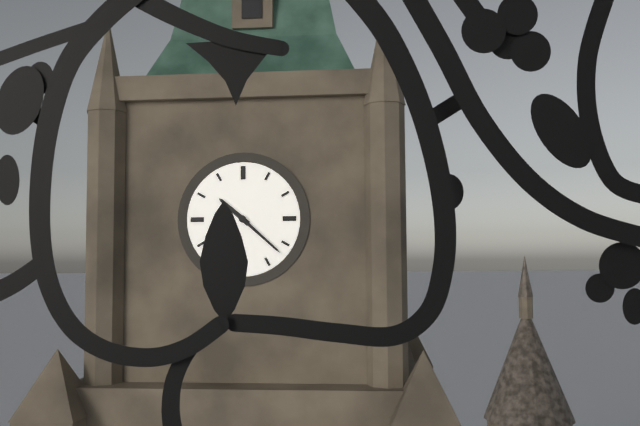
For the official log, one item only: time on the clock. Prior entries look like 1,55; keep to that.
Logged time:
10,22
